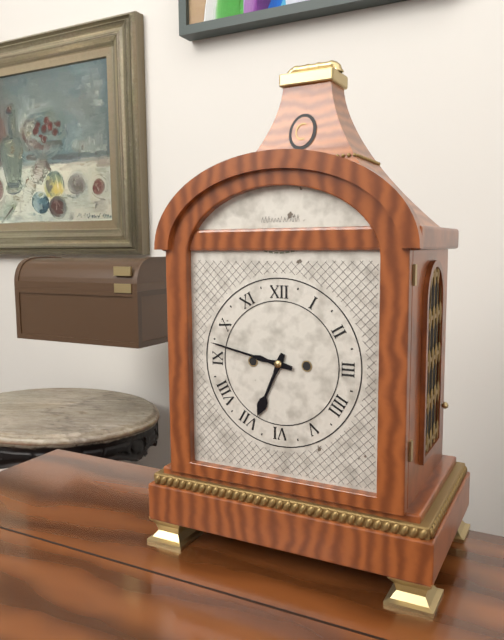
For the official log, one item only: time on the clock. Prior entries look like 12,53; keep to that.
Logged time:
6,47
